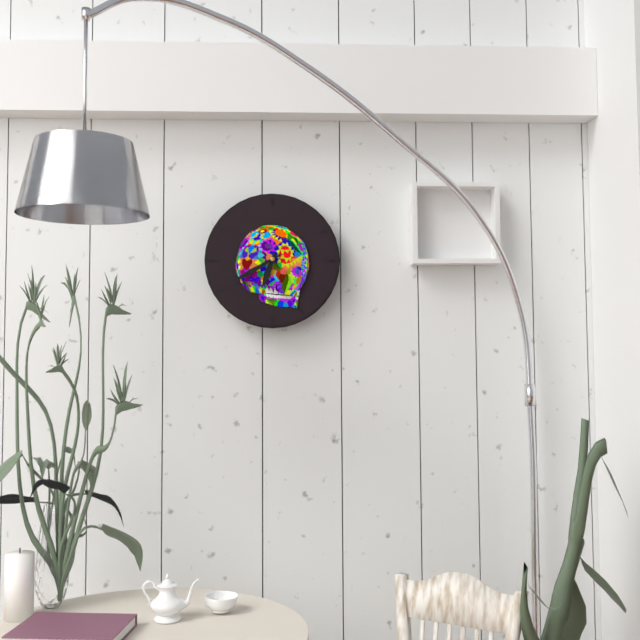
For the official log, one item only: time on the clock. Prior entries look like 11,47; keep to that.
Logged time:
6,40
